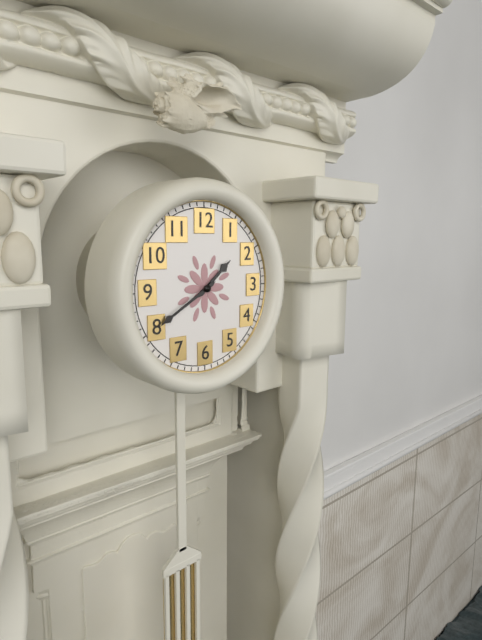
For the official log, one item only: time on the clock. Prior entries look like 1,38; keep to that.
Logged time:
1,40
